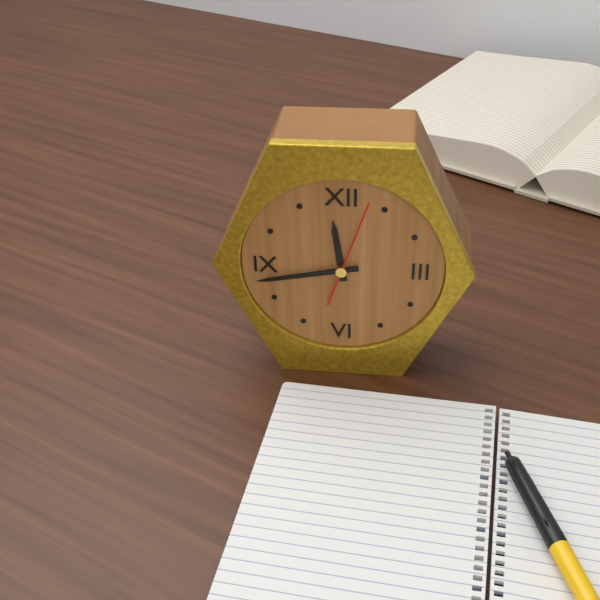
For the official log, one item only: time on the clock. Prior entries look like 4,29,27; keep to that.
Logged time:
11,43,03
